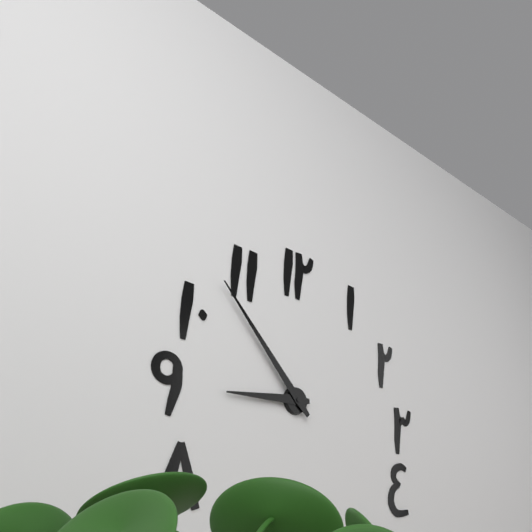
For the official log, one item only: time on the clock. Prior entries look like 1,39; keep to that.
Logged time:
8,53
